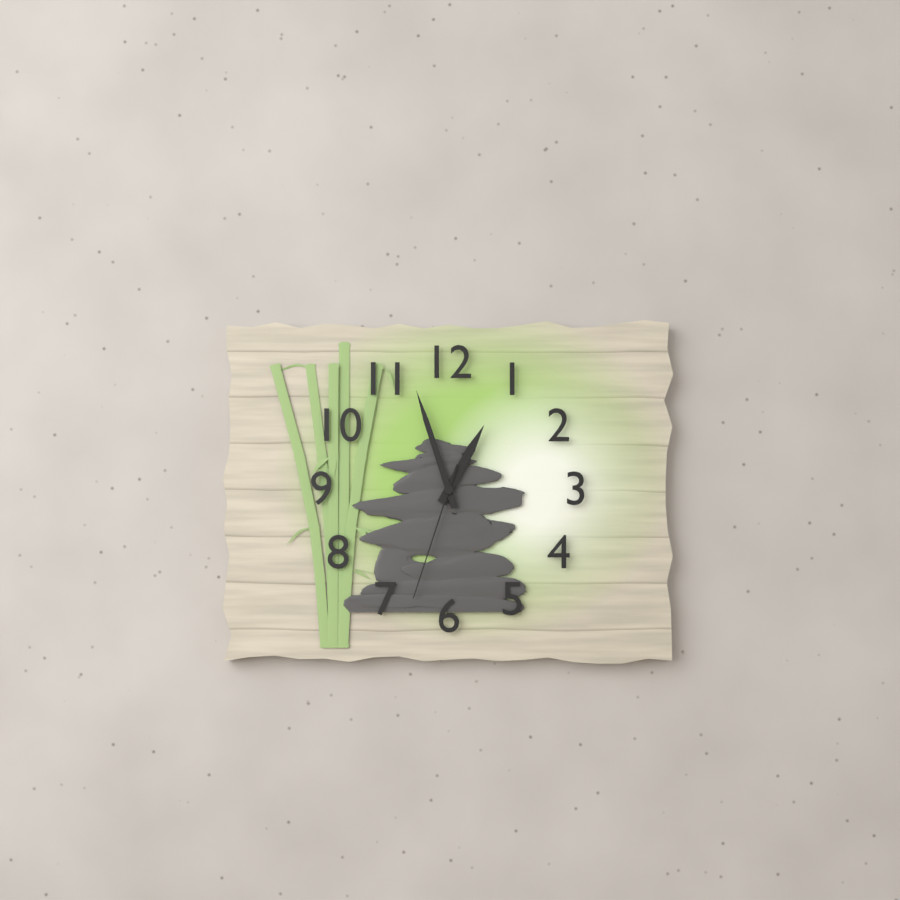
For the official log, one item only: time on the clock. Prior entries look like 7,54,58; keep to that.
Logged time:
12,57,33
